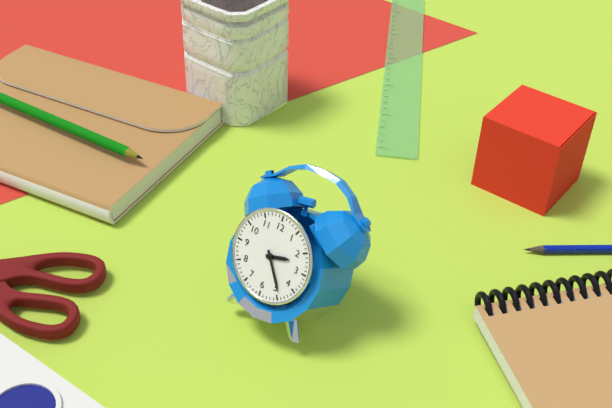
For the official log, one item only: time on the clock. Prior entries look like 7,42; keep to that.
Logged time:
2,24
